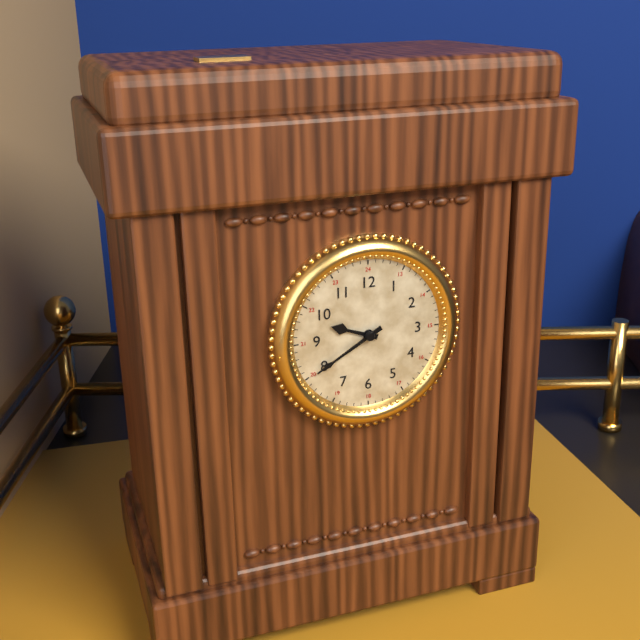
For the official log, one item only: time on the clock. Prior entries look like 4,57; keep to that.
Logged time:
9,40
